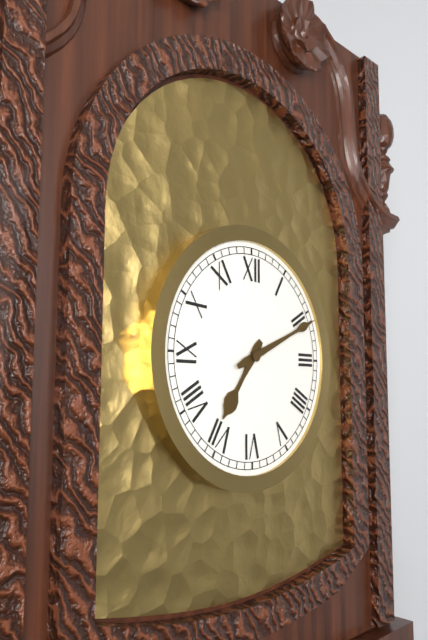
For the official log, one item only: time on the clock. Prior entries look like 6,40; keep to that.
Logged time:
7,11
